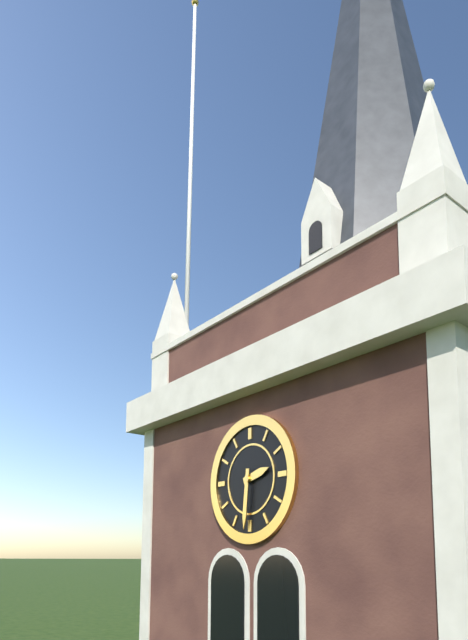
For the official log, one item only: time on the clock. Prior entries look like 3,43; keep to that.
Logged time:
2,31
